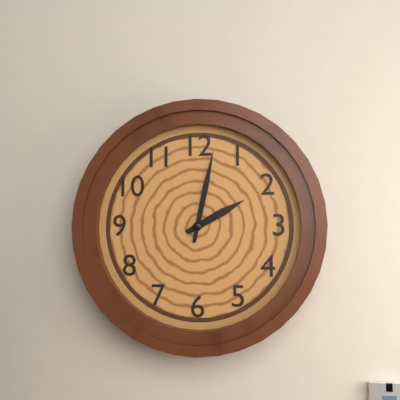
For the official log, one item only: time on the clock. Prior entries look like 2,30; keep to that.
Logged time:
2,02
